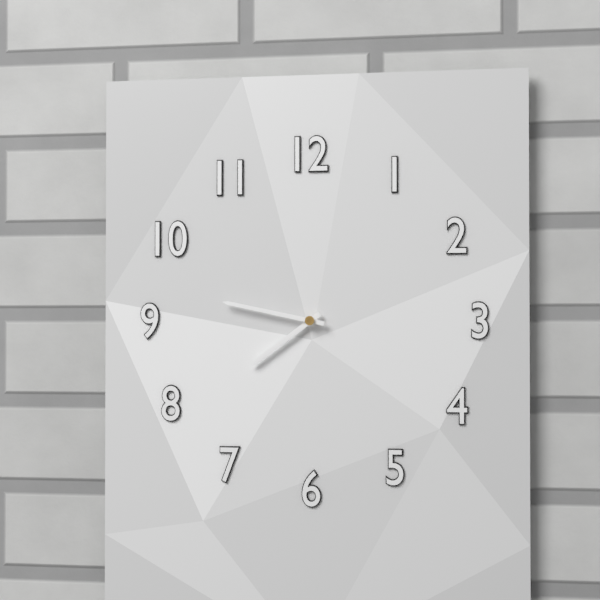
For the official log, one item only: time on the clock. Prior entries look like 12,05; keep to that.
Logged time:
7,47
